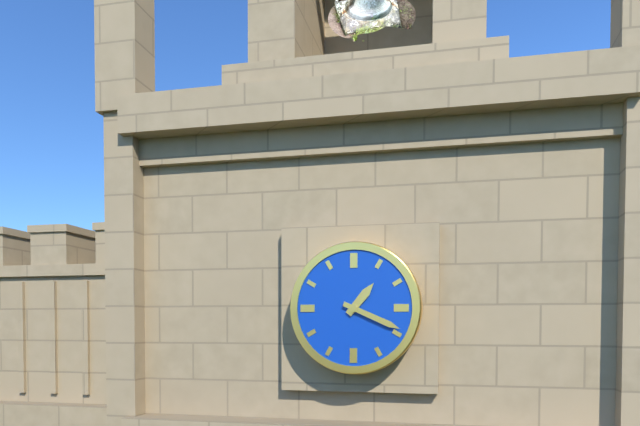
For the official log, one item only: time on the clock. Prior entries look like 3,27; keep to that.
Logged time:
1,19
